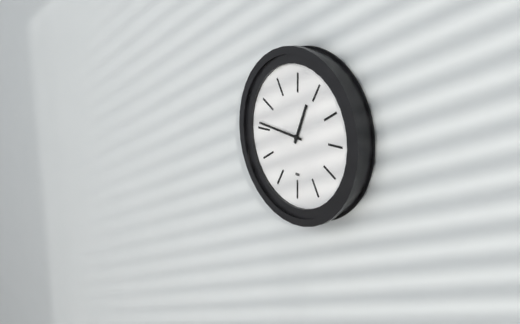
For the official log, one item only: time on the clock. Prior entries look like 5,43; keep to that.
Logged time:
12,46
